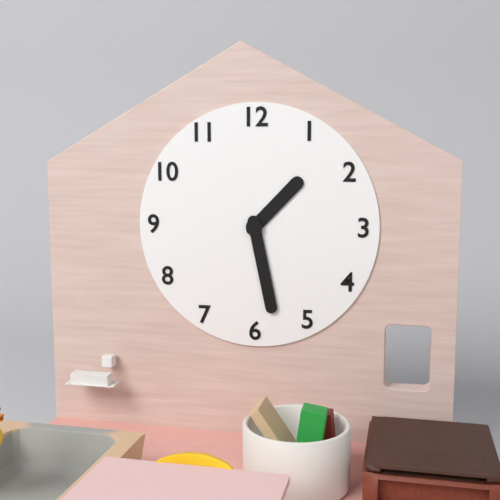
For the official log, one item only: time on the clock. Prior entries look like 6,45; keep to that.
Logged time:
1,28
